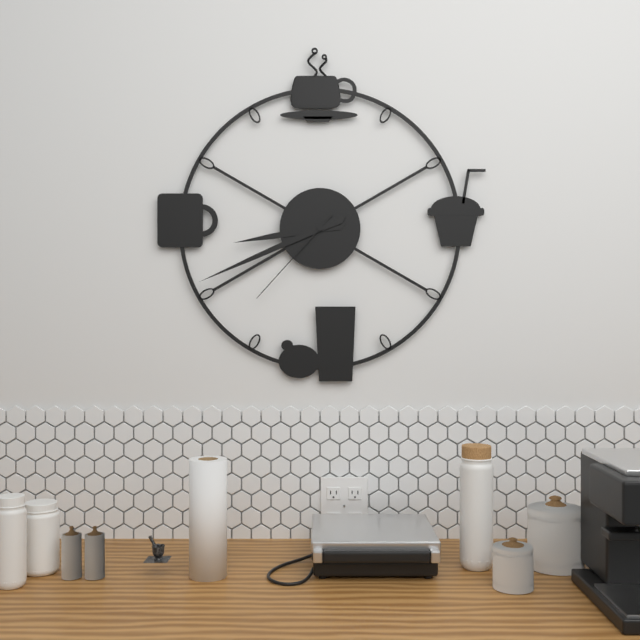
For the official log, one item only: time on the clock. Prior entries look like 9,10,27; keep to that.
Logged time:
8,41,37
